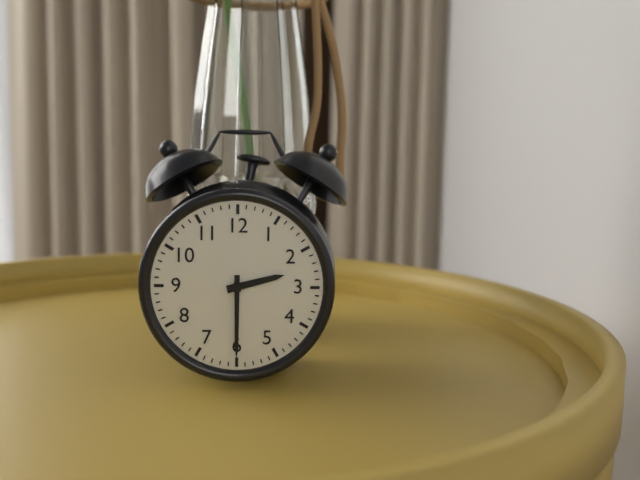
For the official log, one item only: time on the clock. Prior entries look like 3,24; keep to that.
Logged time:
2,30
